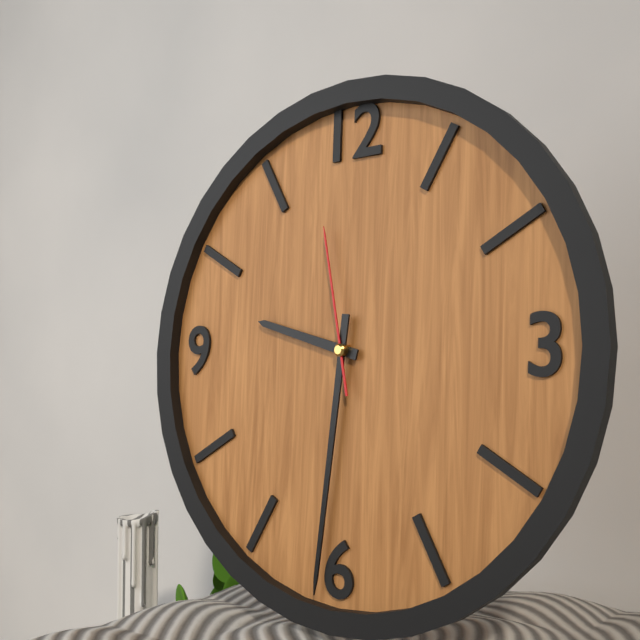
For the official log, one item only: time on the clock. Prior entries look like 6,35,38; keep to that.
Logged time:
9,31,58
